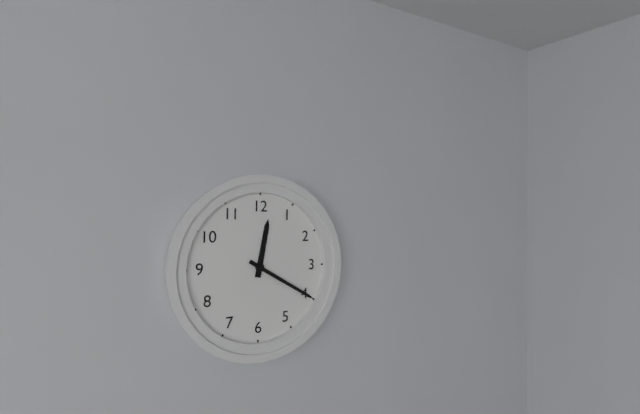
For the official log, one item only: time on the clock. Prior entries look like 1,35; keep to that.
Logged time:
12,20
